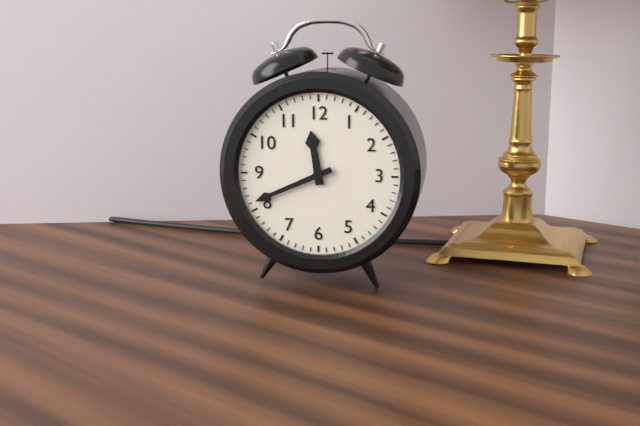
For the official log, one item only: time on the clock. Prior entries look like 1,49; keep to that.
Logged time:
11,41
